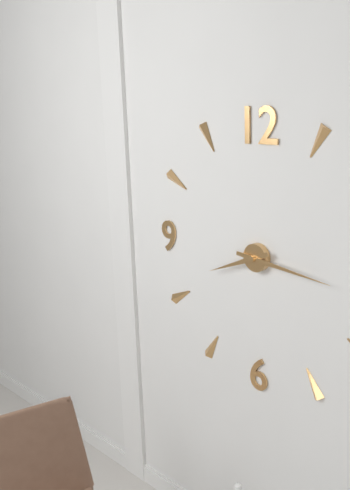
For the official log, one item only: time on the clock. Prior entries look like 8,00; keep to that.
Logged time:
8,16
